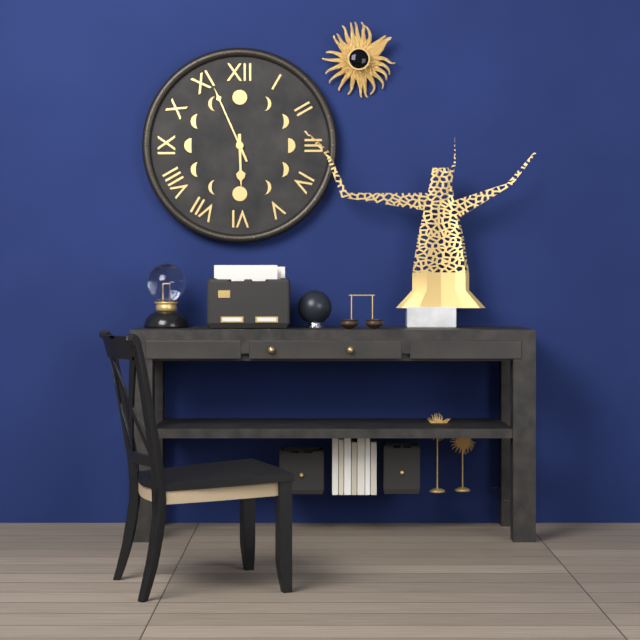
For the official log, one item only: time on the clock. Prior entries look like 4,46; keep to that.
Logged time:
5,56
